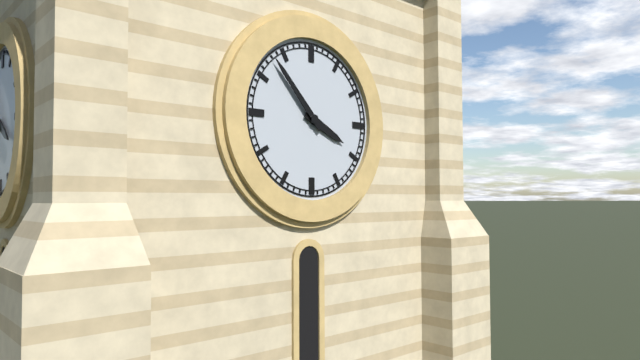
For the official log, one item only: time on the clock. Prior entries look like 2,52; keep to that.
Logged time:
3,53
